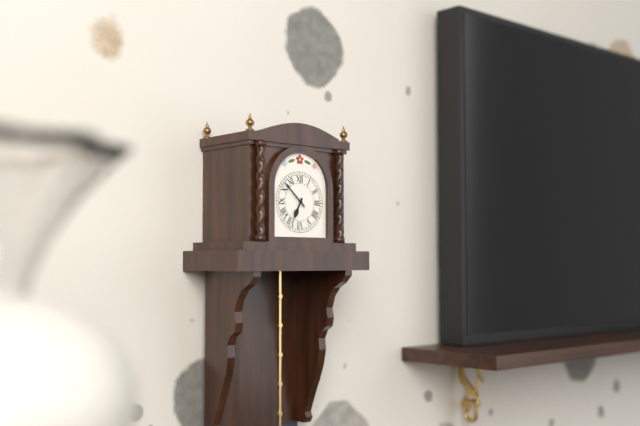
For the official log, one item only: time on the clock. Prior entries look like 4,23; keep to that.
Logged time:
6,52
